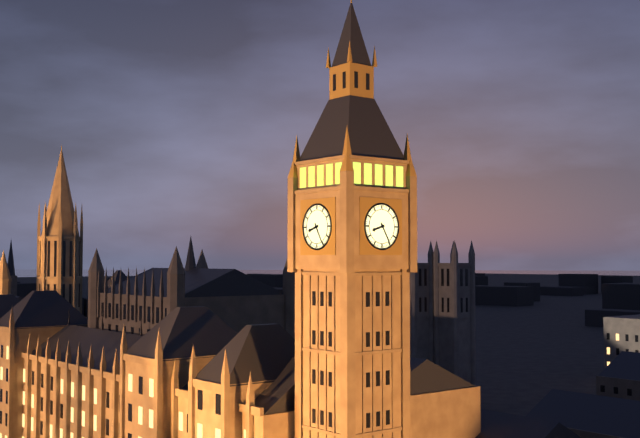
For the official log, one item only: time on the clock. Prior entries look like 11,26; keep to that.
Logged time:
8,25
